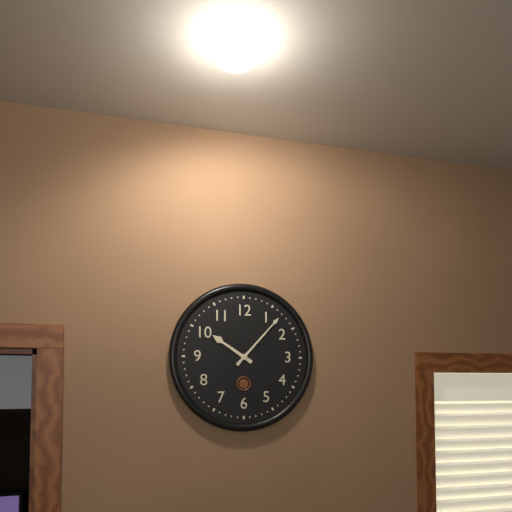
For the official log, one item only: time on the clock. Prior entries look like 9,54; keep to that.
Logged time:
10,07
